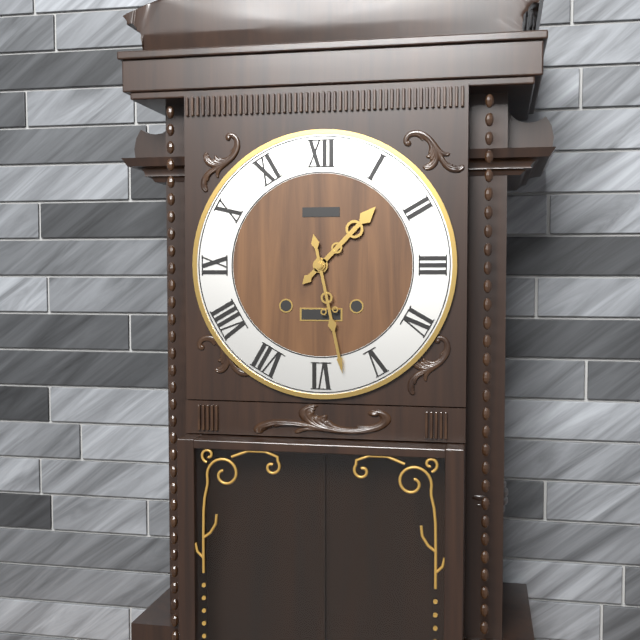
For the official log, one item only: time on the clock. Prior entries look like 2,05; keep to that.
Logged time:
1,28
